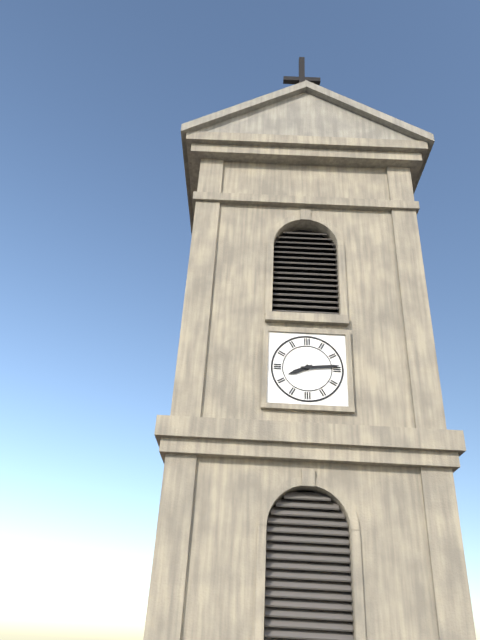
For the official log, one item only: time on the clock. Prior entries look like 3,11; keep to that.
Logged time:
8,14
